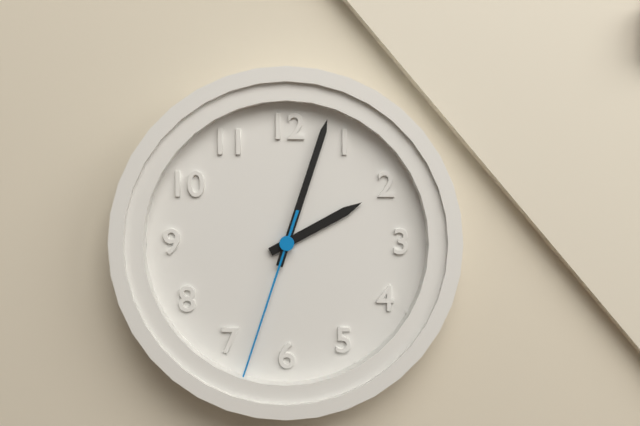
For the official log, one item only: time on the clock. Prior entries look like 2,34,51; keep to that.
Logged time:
2,03,33
